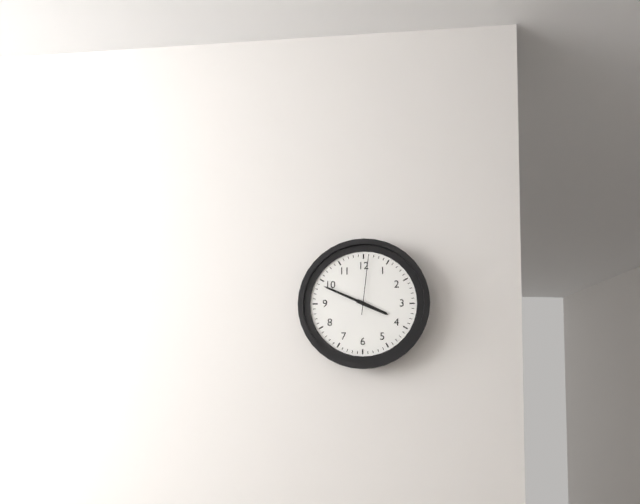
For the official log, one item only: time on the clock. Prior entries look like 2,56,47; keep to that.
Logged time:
3,49,01
